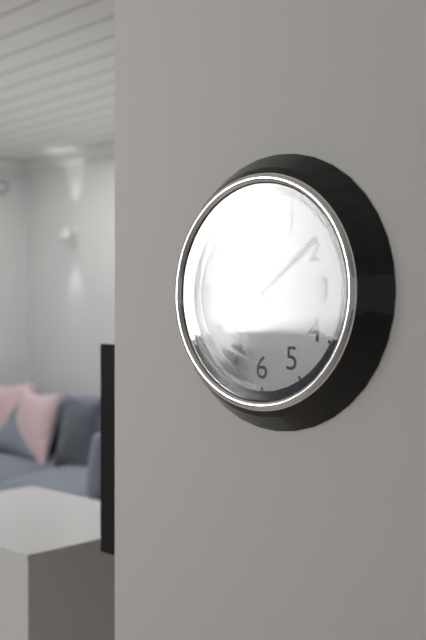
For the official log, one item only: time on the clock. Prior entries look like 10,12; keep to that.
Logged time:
11,09
